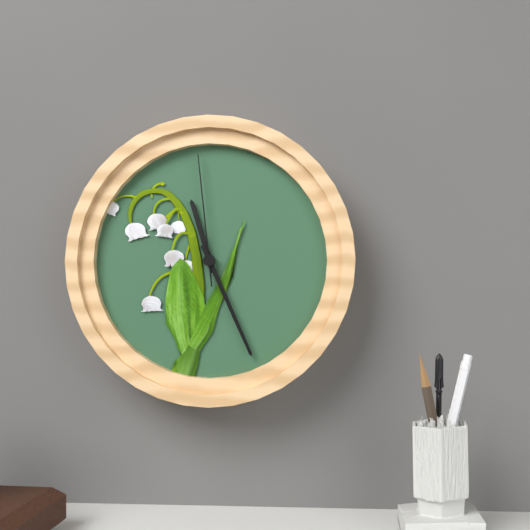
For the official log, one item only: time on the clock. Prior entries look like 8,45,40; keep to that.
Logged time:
11,26,59
